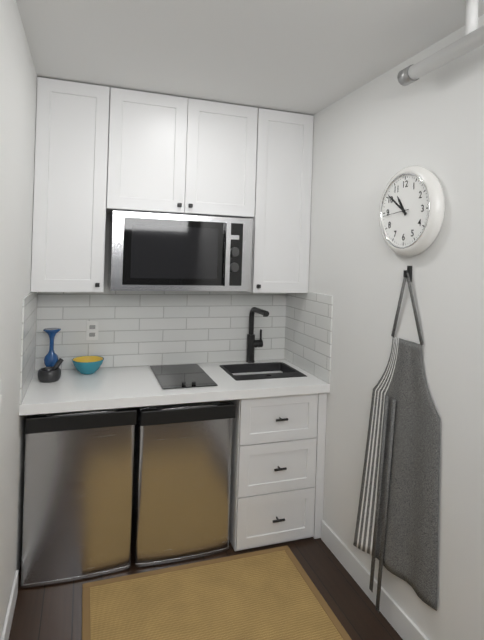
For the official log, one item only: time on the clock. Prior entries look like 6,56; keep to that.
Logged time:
10,51
